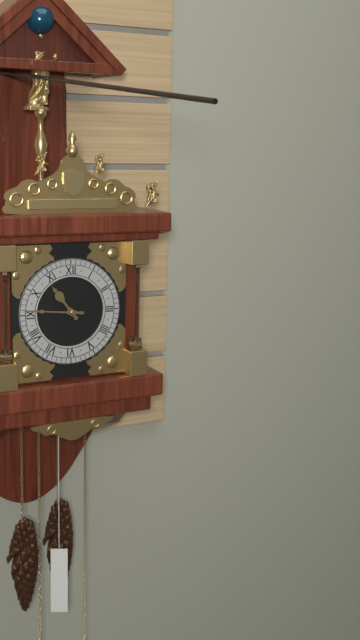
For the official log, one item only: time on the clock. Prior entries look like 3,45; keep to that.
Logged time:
10,46
